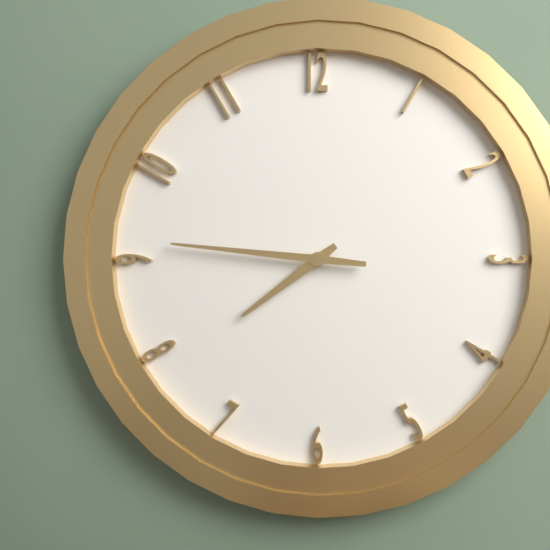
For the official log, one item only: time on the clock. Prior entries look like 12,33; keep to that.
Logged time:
7,46
